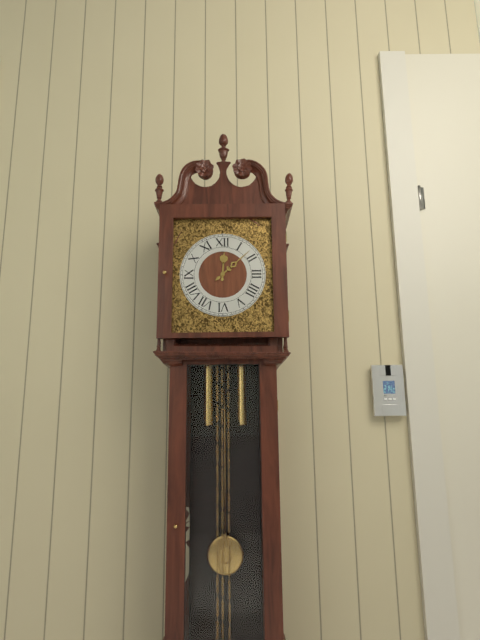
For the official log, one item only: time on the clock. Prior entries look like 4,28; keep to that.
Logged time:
12,08
